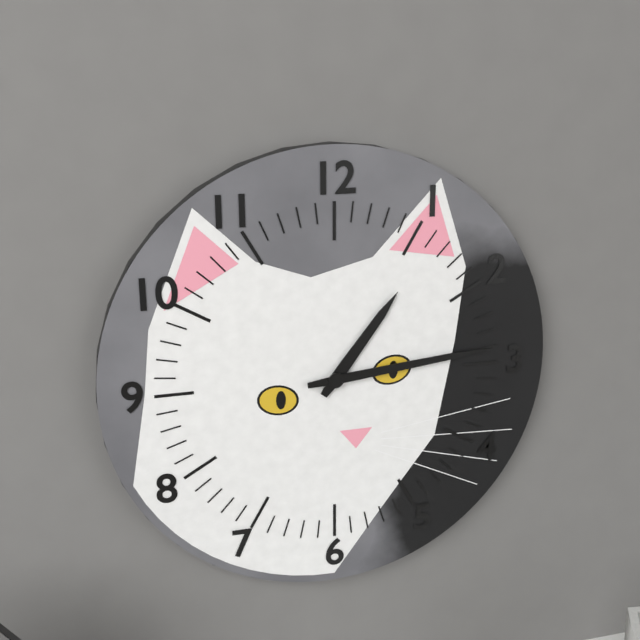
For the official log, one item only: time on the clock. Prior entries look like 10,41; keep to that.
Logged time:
1,14
